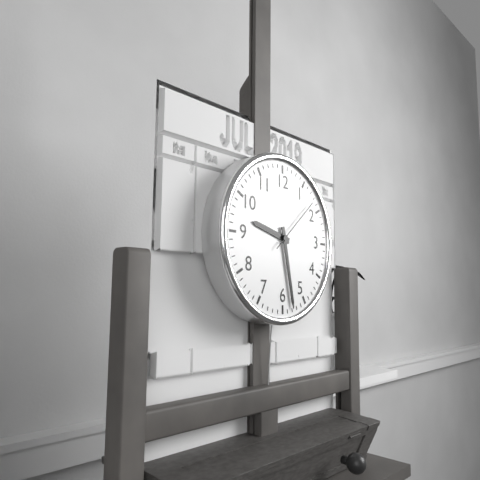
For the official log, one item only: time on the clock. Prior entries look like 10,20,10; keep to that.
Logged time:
9,28,08
